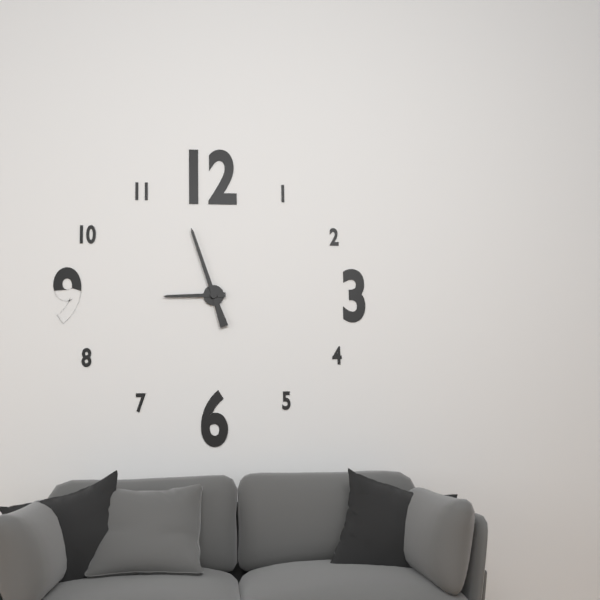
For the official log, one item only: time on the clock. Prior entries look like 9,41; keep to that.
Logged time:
8,57
